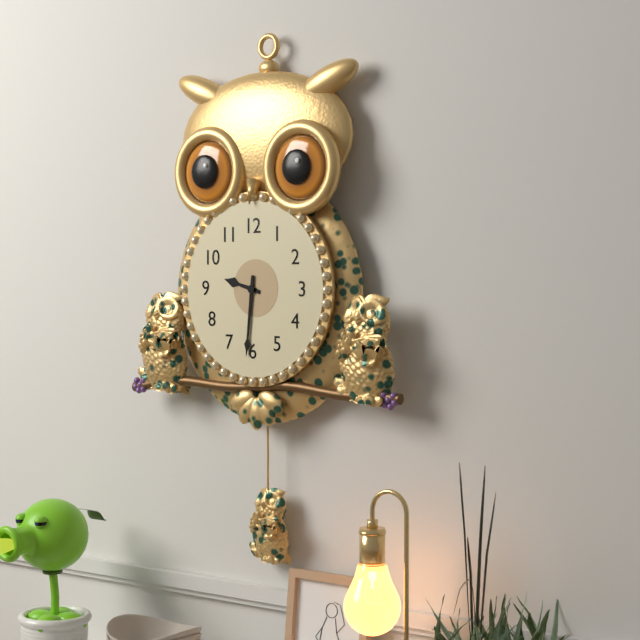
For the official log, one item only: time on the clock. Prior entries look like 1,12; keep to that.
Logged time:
9,31
